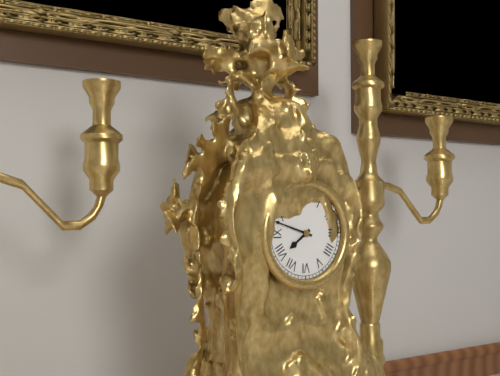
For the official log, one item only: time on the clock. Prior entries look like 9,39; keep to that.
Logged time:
7,48
